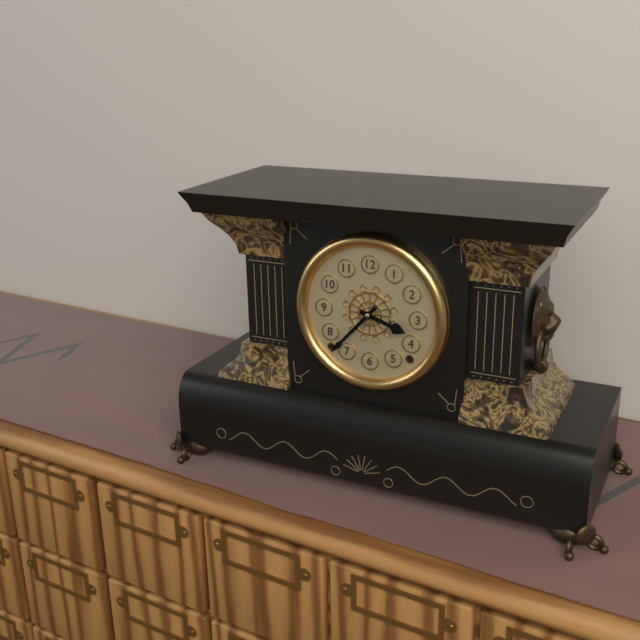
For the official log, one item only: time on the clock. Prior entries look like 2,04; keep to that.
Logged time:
3,37
